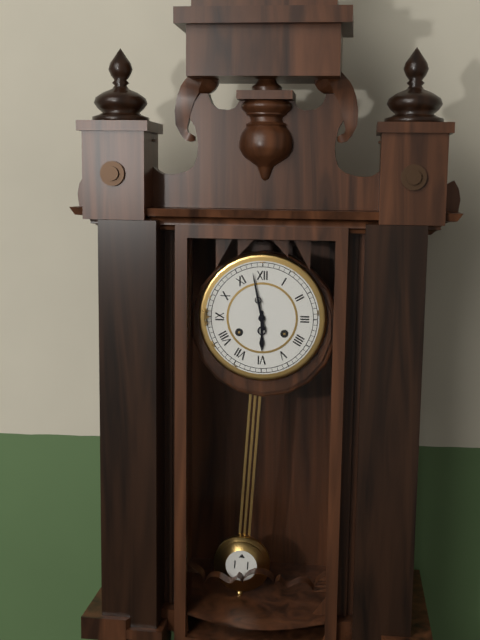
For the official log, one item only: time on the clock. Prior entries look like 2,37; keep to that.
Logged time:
5,58
